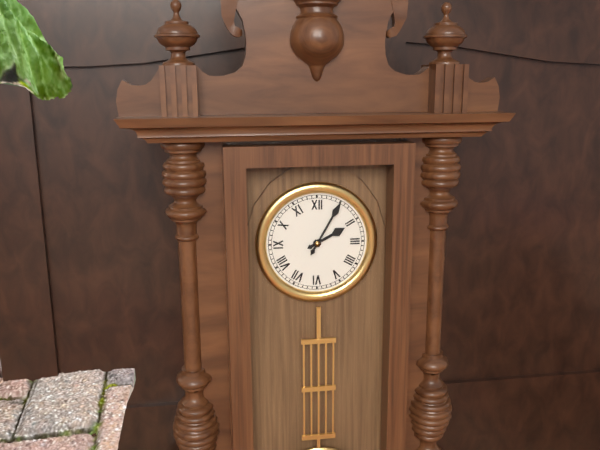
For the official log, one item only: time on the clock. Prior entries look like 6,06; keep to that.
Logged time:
2,05
